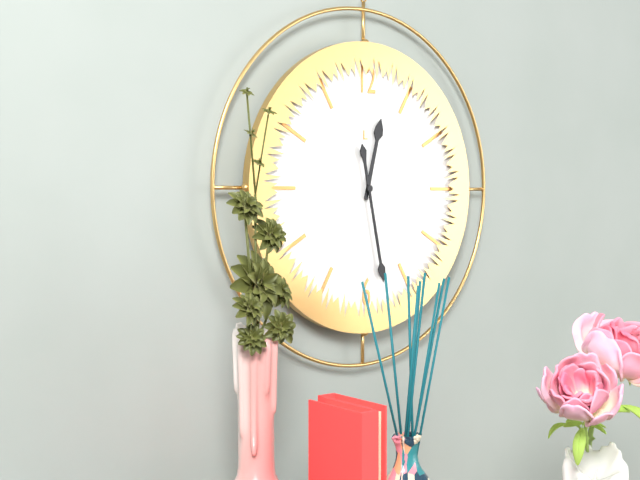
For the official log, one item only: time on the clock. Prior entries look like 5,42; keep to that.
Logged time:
12,28
